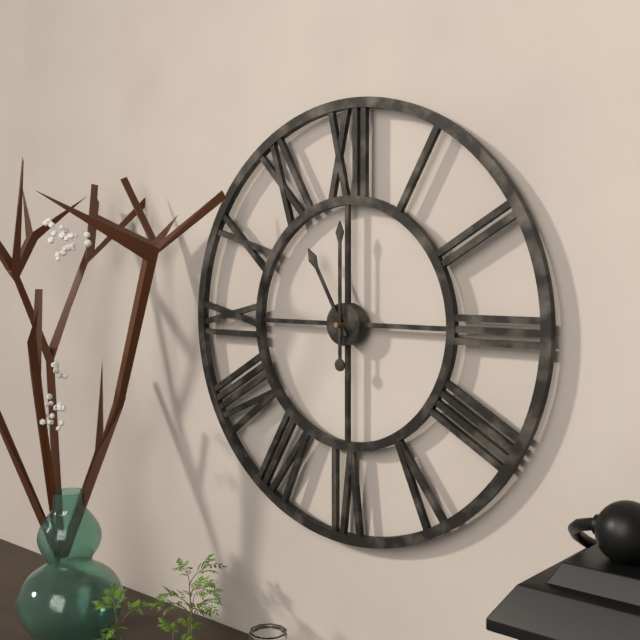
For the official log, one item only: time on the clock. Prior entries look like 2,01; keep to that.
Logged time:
11,00
